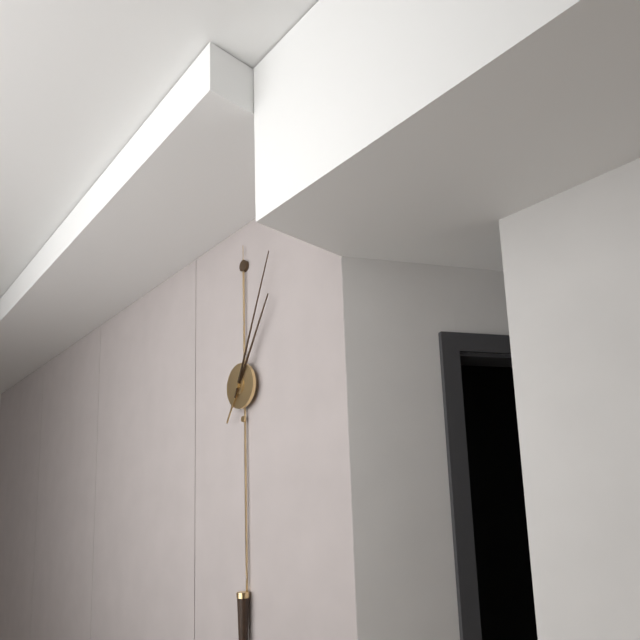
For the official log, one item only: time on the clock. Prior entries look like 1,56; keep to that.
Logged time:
1,04
